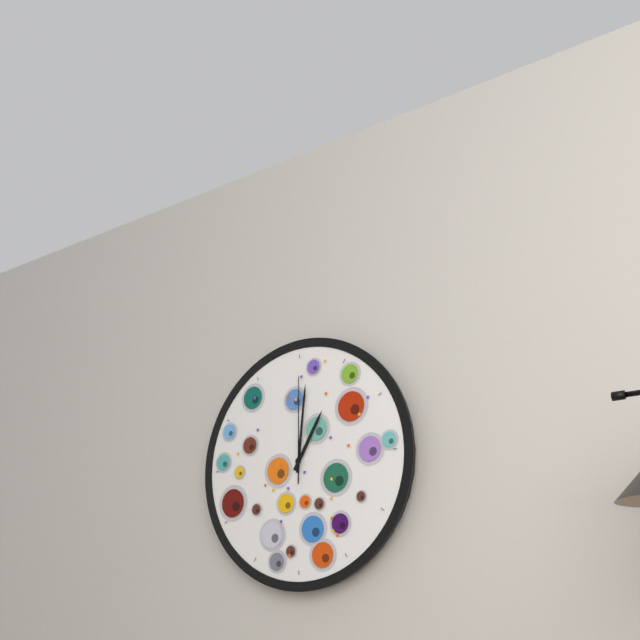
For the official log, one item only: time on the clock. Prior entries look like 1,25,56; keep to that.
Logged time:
1,01,00
